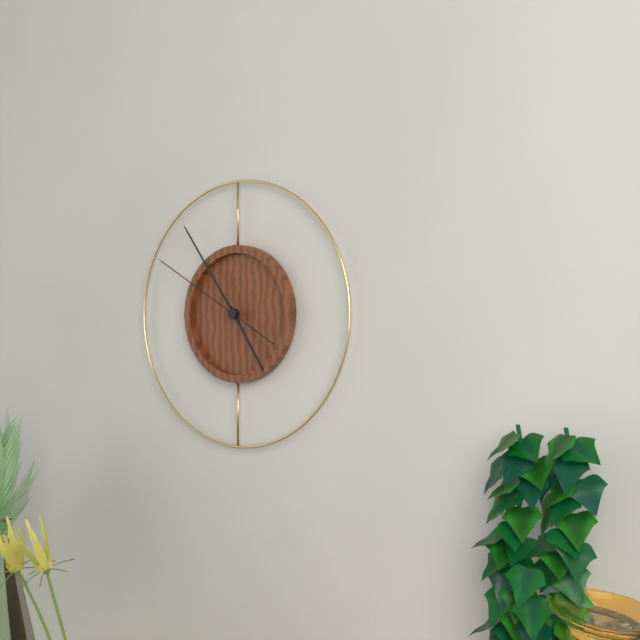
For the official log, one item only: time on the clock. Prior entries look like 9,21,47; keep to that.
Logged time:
4,54,50
